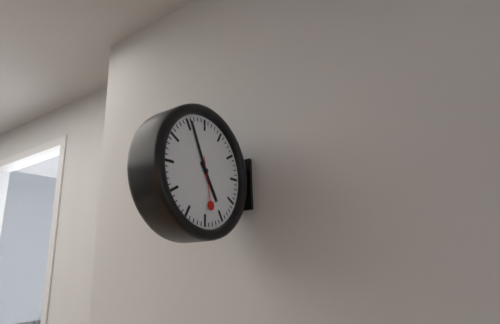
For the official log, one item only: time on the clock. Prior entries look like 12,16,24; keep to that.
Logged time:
4,56,28
